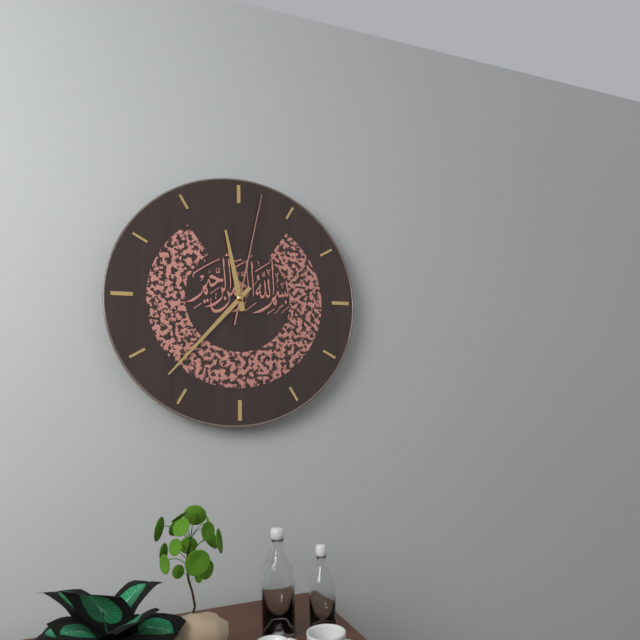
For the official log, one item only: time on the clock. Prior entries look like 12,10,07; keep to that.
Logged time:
11,37,02
